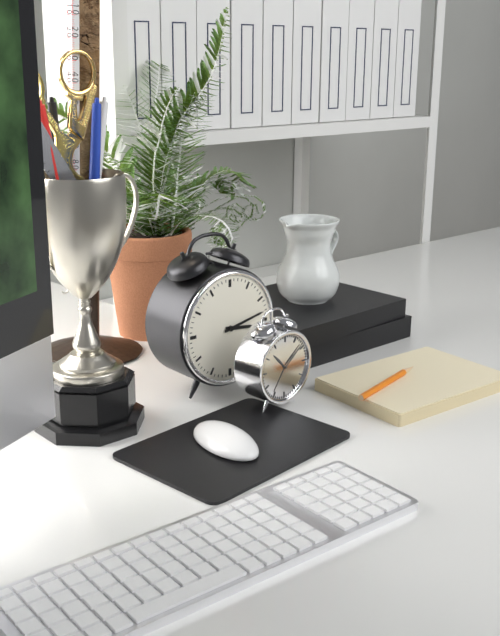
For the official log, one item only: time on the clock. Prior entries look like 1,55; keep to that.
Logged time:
3,13
